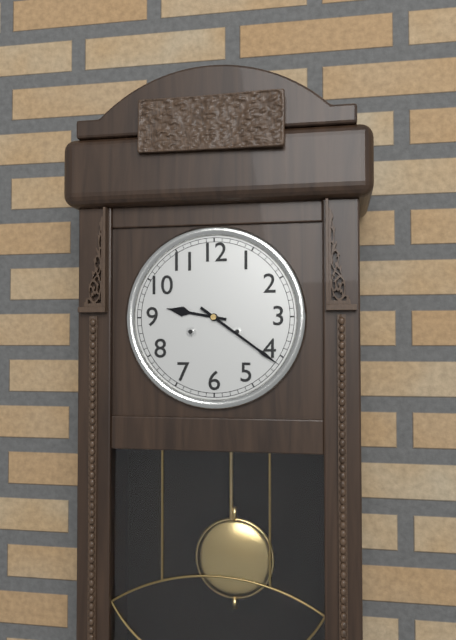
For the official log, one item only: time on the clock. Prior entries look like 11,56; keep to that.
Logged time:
9,21
